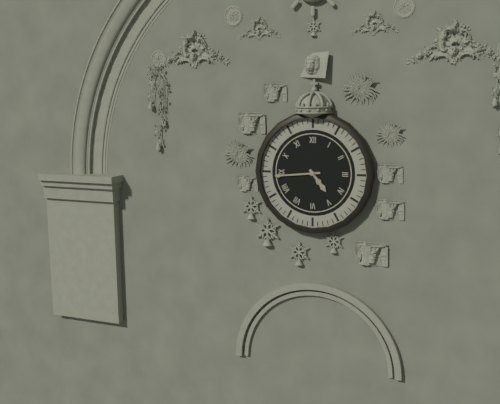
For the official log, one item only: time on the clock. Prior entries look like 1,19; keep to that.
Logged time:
4,44
